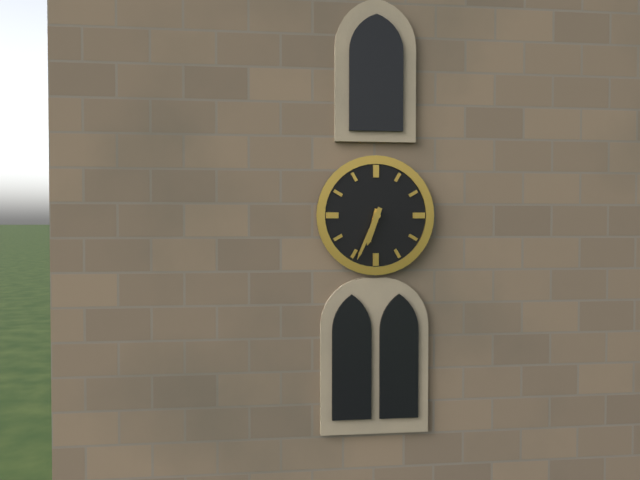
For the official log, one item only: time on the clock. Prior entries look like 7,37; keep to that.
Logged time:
6,34
